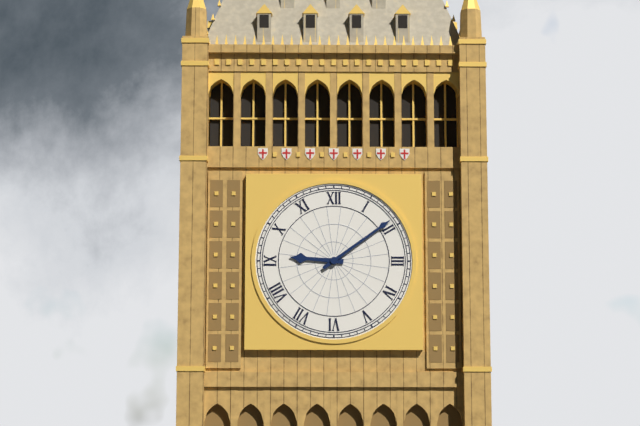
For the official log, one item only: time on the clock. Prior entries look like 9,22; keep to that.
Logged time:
9,09
